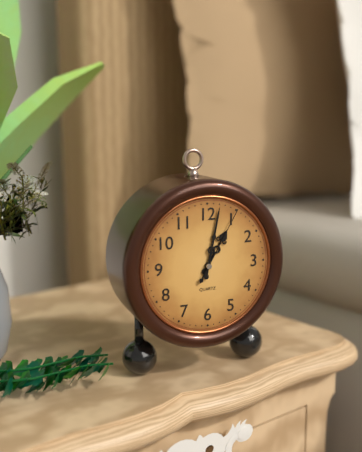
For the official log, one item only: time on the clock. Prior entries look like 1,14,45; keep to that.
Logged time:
1,02,05
